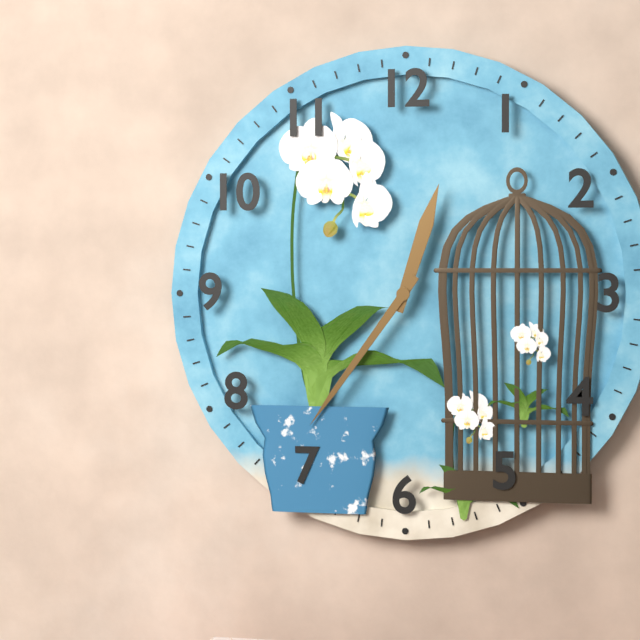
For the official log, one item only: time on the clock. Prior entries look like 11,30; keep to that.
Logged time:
12,36
